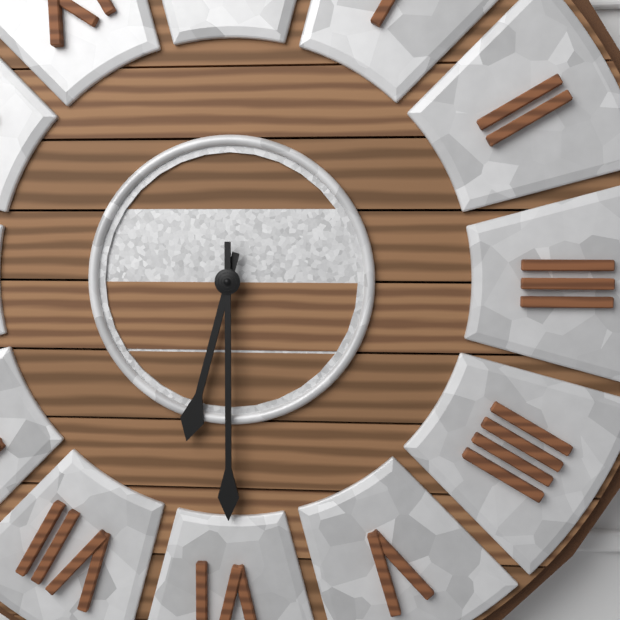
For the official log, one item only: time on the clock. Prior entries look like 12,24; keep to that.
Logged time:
6,30
